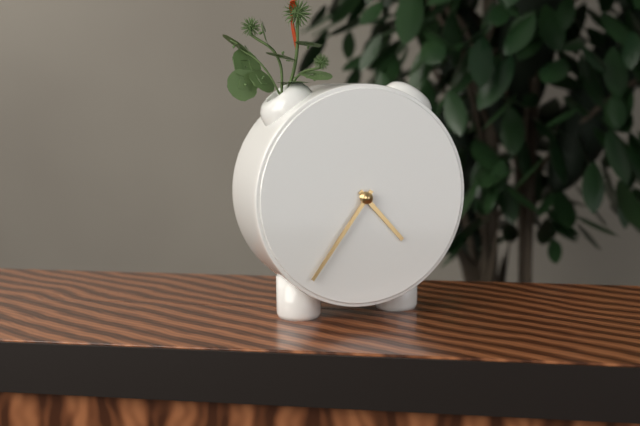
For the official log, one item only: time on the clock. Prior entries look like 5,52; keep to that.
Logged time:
4,36
